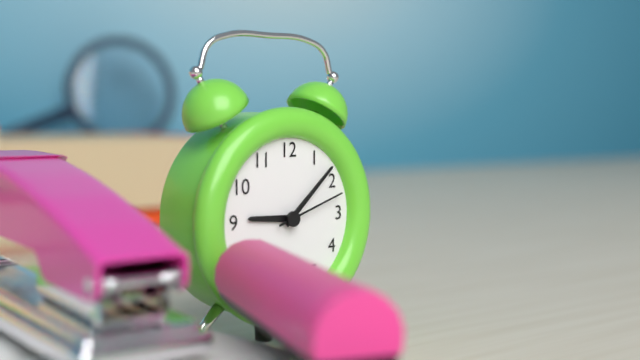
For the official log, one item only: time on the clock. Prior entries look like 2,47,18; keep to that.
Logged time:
9,08,12
